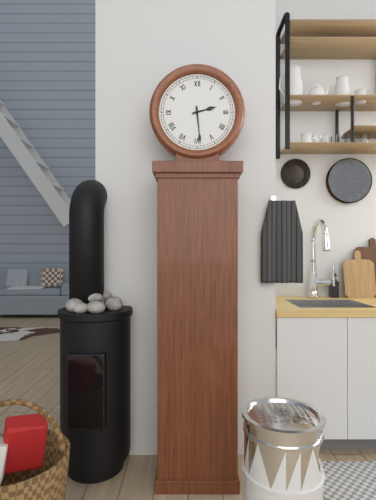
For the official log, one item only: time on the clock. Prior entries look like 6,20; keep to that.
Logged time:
2,29
